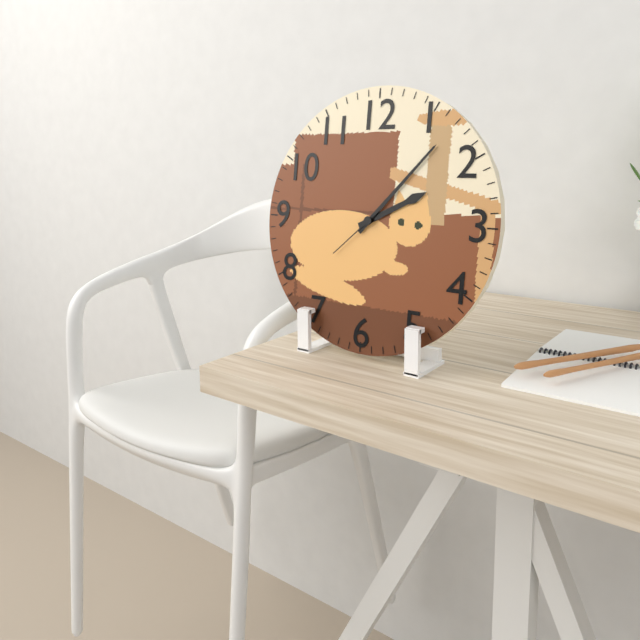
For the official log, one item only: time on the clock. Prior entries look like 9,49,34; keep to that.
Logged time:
2,07,38
